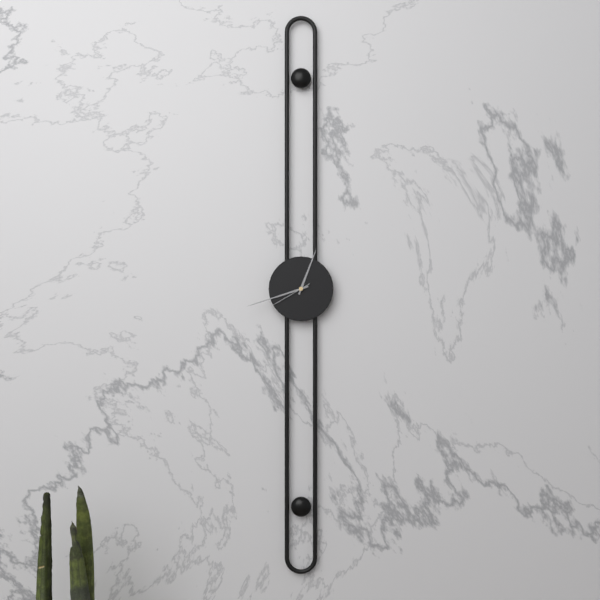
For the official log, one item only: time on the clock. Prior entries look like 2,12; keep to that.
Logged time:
12,42
